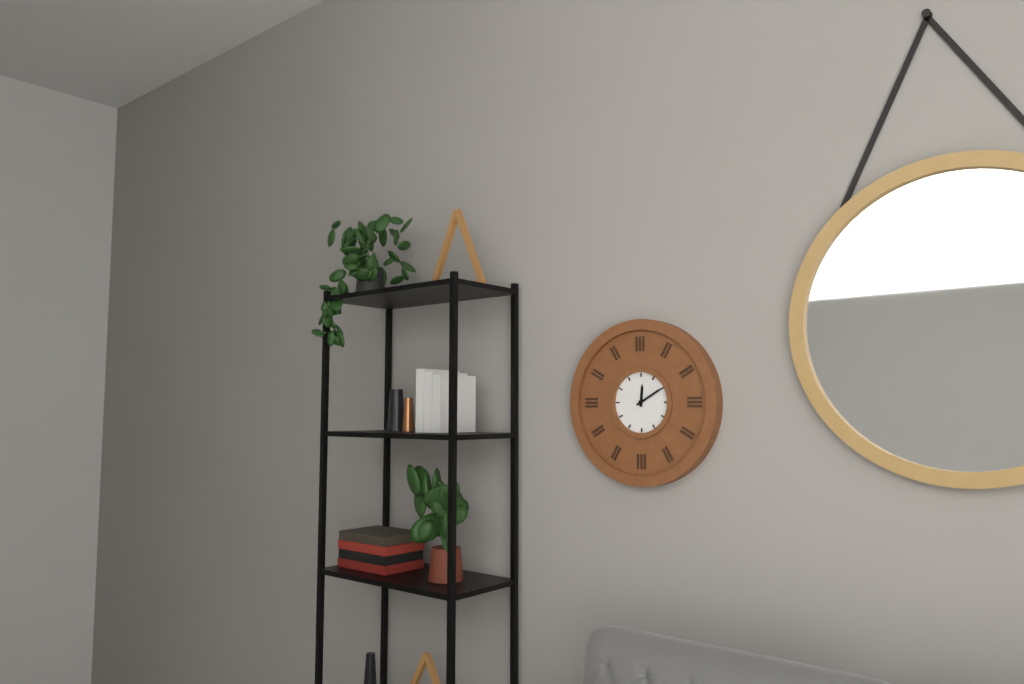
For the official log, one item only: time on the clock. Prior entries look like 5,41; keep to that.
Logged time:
12,10
